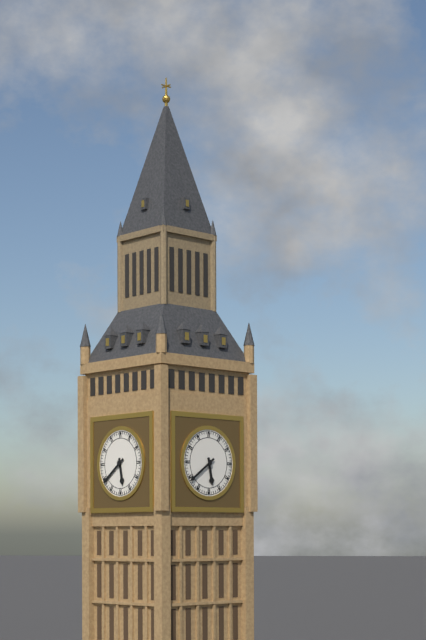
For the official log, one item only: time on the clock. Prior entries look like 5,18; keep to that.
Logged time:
5,39
